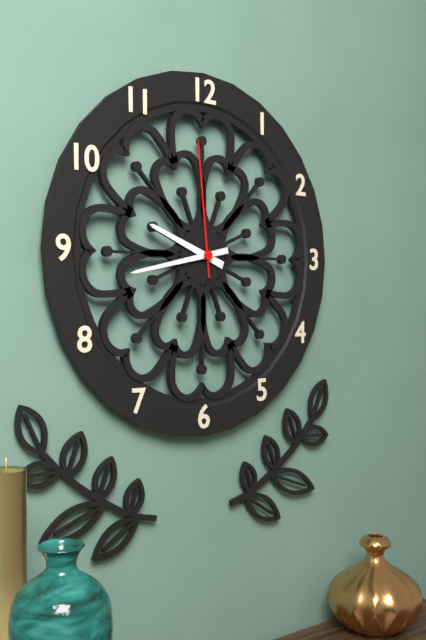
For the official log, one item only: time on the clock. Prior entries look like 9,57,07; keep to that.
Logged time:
9,43,59
